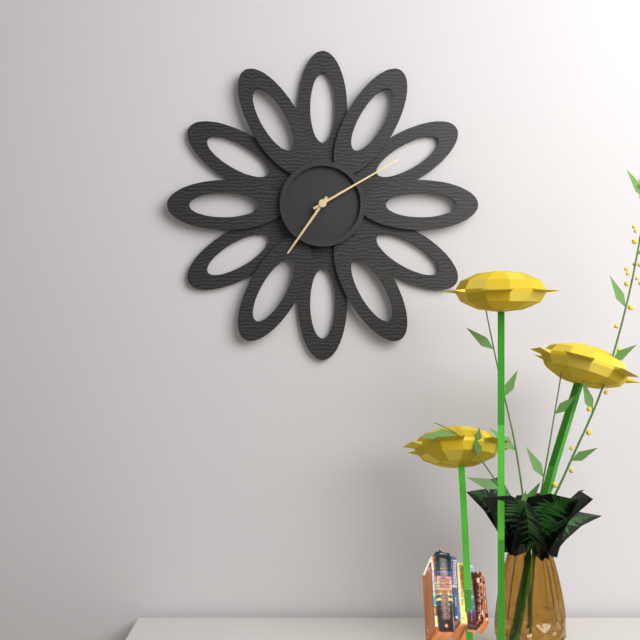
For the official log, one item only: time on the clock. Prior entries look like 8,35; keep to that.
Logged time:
7,10
